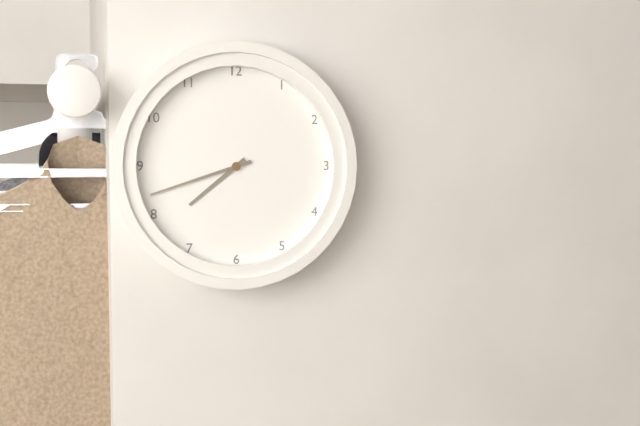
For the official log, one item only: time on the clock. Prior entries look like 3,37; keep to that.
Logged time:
7,42
